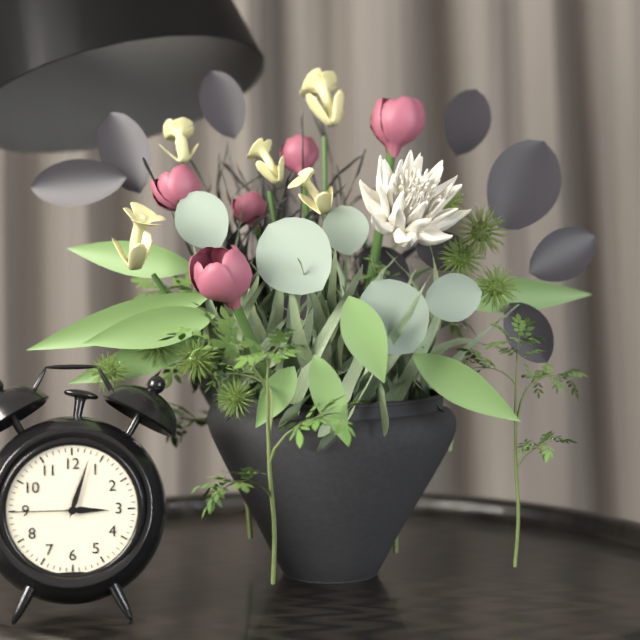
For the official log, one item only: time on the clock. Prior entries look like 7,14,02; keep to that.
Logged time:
3,03,45
